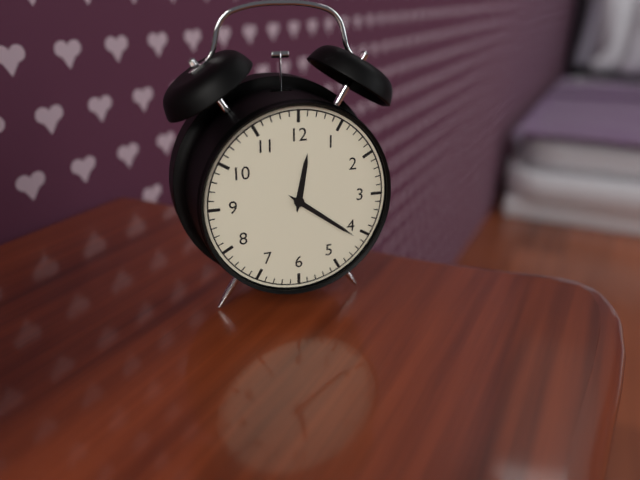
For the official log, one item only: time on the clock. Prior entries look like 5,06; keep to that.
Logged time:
12,21
